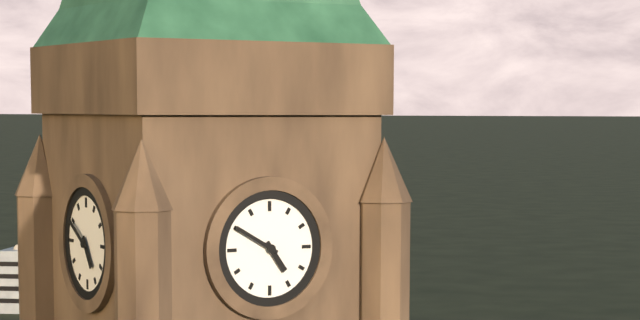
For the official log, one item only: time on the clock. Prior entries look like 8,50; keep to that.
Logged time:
4,50
